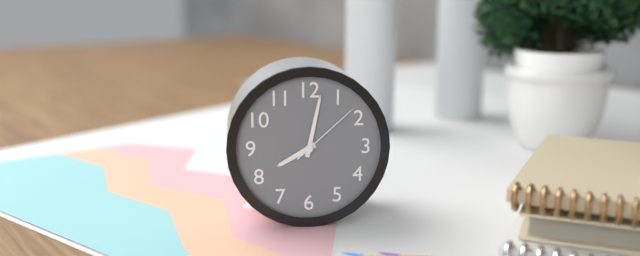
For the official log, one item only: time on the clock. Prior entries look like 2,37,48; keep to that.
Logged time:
8,02,08
